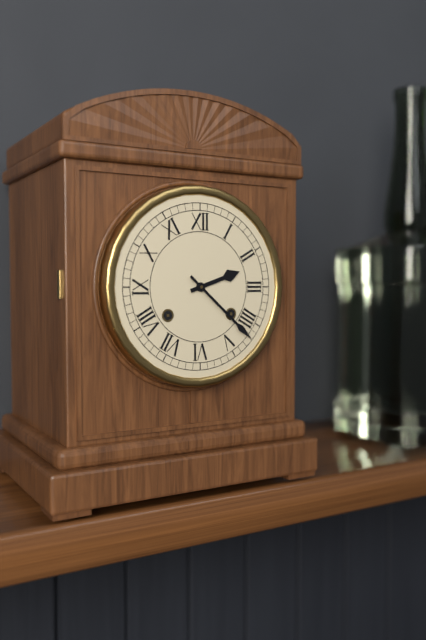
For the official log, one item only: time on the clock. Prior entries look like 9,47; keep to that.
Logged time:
2,22
